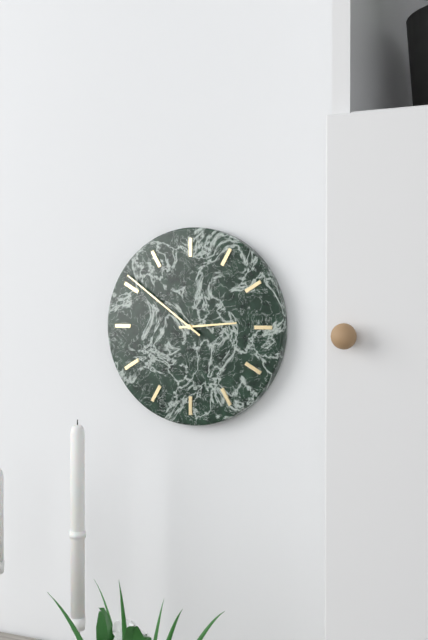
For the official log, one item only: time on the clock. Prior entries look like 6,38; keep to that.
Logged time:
2,51
